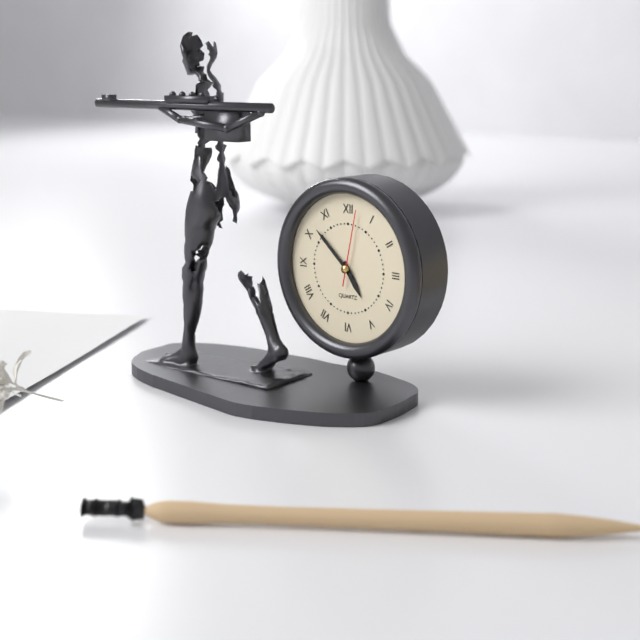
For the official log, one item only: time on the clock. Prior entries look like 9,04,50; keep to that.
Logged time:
4,52,02
